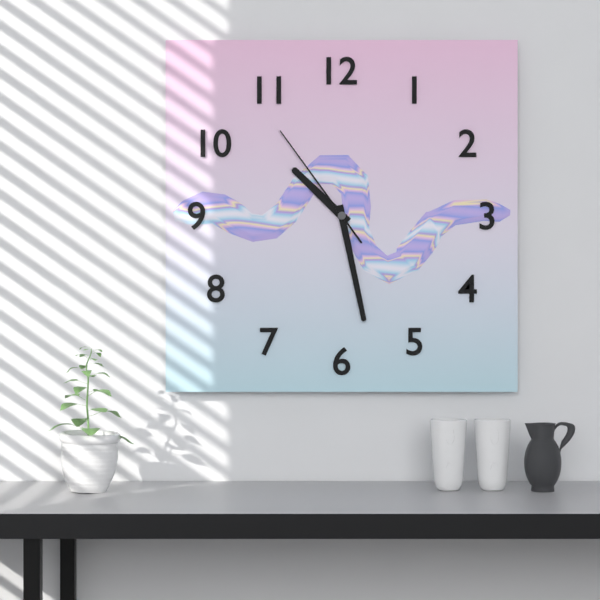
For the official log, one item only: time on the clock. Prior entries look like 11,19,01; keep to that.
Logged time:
10,28,54
